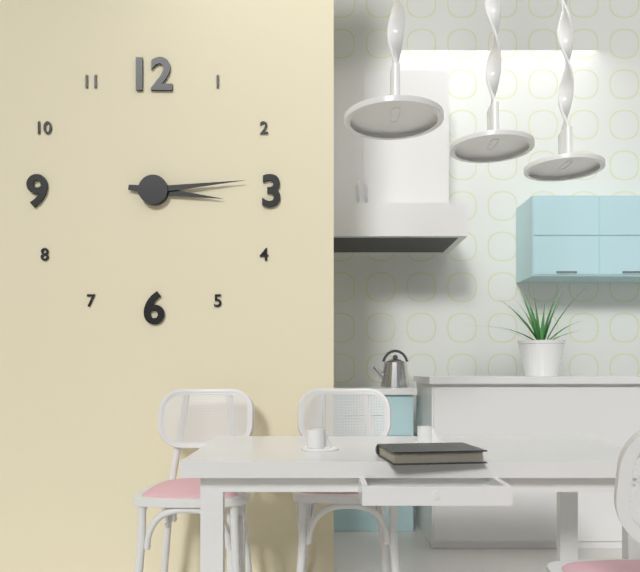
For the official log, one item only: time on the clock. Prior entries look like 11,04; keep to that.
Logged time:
3,14
